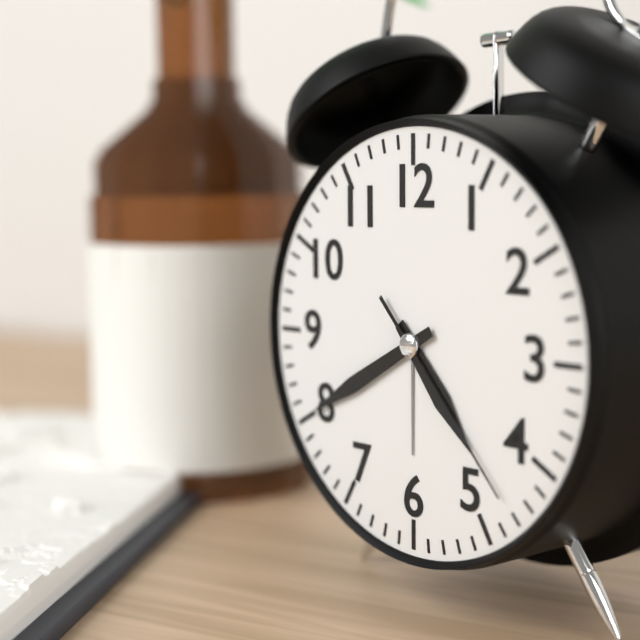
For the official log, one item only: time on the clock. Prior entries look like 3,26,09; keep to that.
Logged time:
4,40,23
